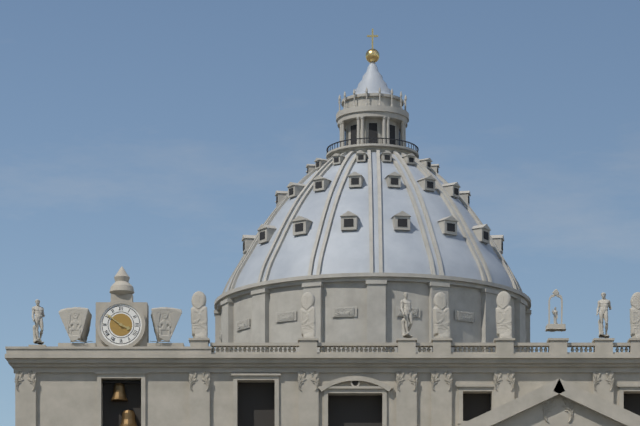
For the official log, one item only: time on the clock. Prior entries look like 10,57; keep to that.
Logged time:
3,51
